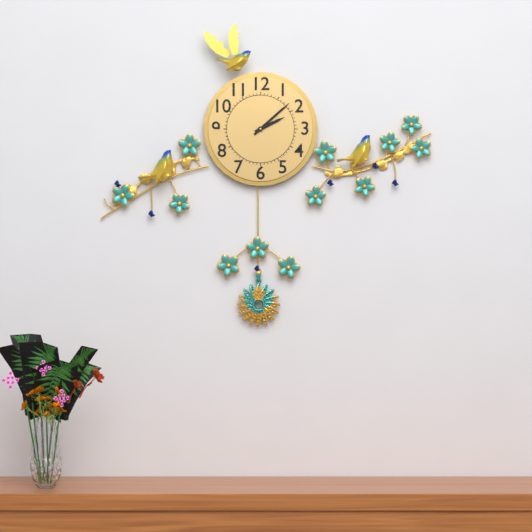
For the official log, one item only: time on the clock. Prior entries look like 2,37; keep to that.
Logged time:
2,08
